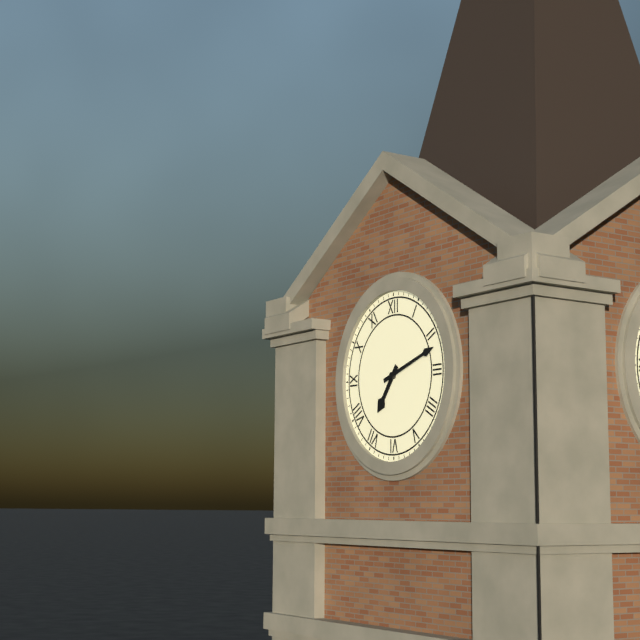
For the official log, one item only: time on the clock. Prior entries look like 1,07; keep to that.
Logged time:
7,12
